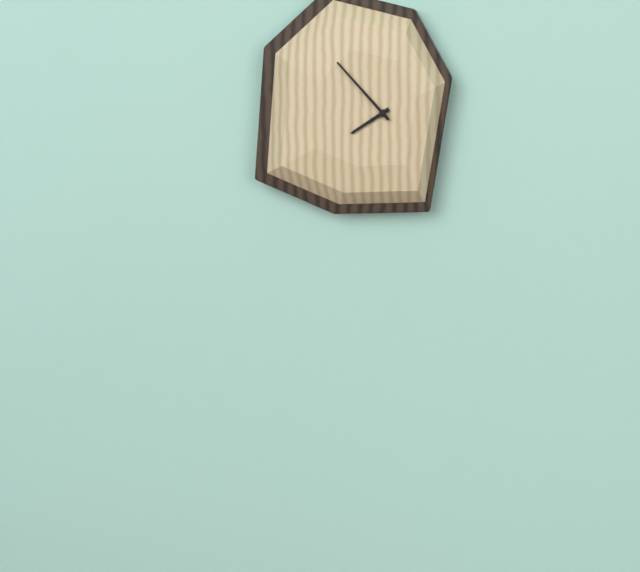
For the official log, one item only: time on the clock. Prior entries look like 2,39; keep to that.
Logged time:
7,53
